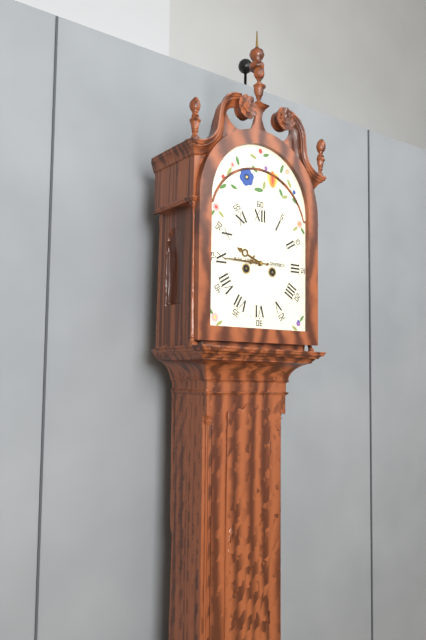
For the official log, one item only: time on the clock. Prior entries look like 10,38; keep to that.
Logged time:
9,45
